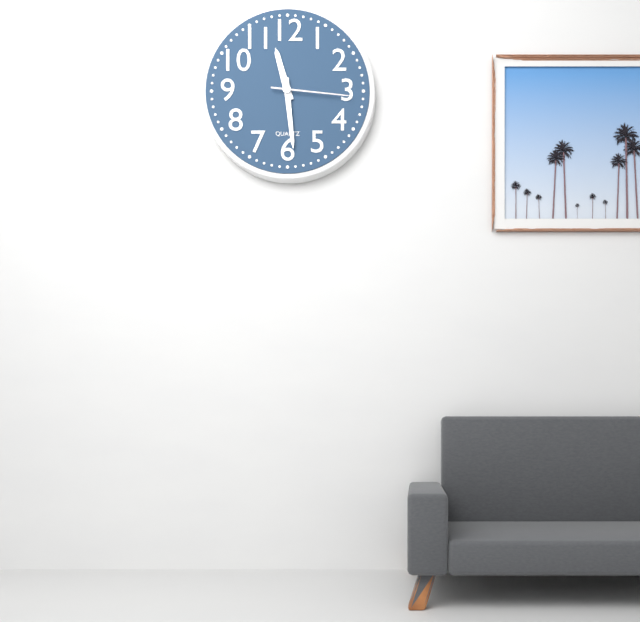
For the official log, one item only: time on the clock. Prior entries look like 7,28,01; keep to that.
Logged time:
11,29,16
